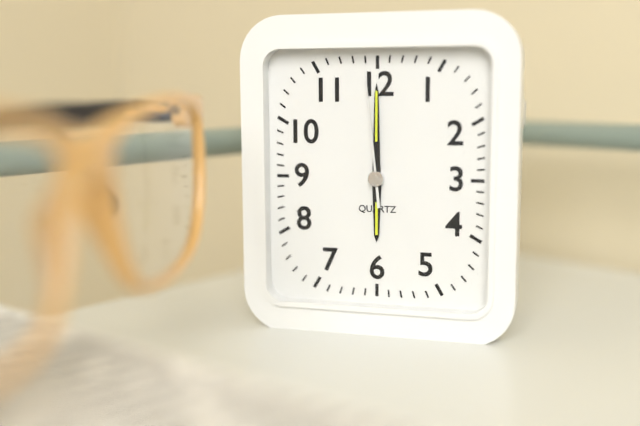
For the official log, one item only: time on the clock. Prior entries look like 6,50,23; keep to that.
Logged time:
6,00,59
